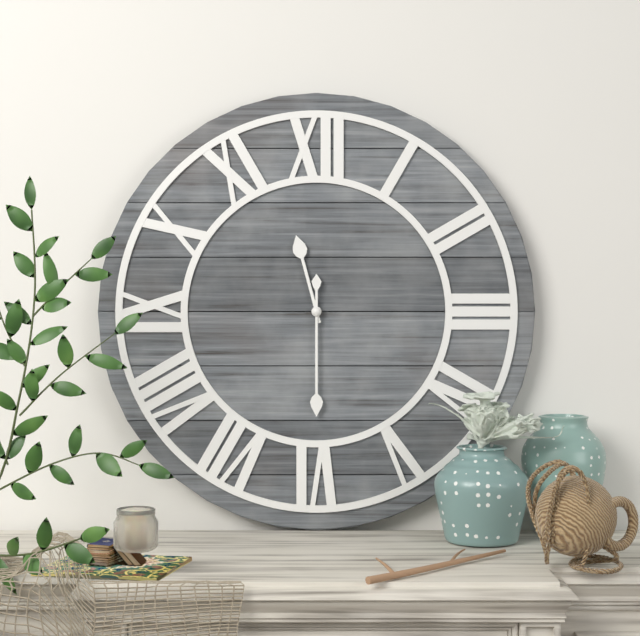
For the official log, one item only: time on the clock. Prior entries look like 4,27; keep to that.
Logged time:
11,30
